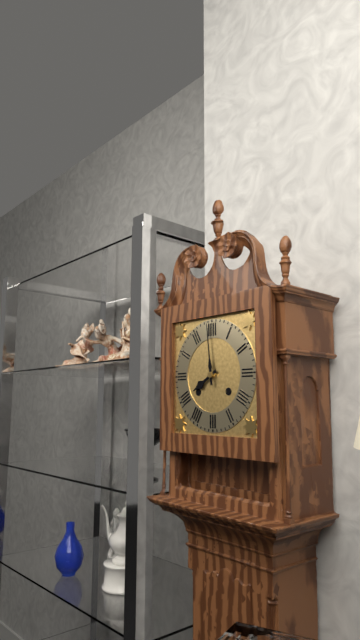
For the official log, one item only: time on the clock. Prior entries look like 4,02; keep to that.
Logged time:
7,59
